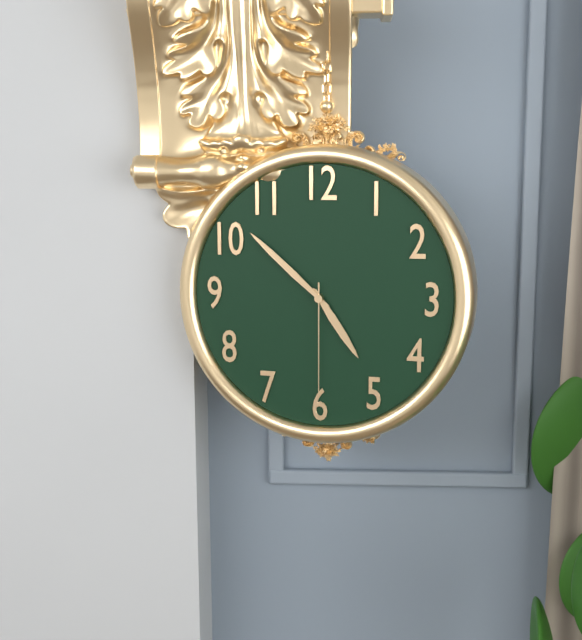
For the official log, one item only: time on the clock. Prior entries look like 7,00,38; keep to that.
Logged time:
4,52,30
